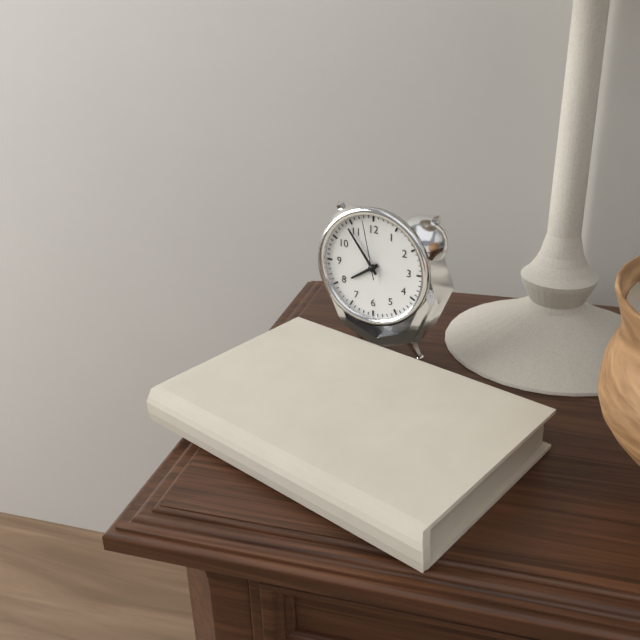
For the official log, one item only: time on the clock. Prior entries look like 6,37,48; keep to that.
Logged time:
7,54,58
